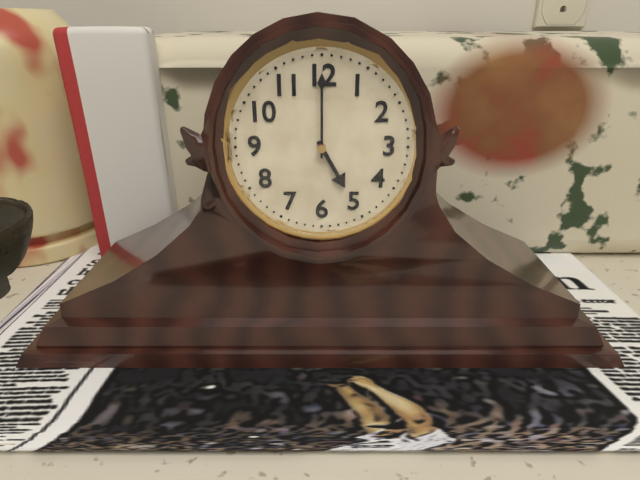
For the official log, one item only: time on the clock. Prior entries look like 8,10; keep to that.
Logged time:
5,00
